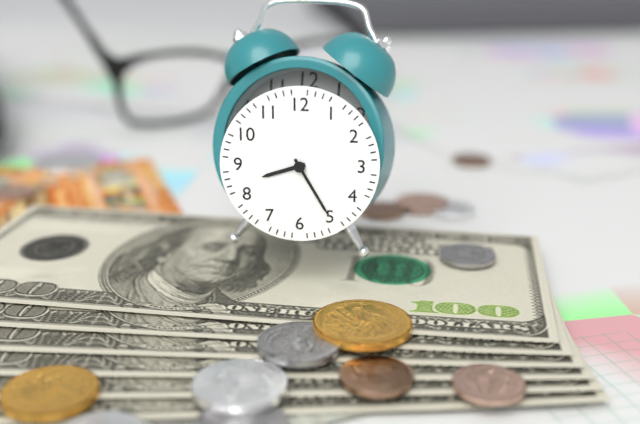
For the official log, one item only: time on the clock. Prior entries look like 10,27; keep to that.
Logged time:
8,25
